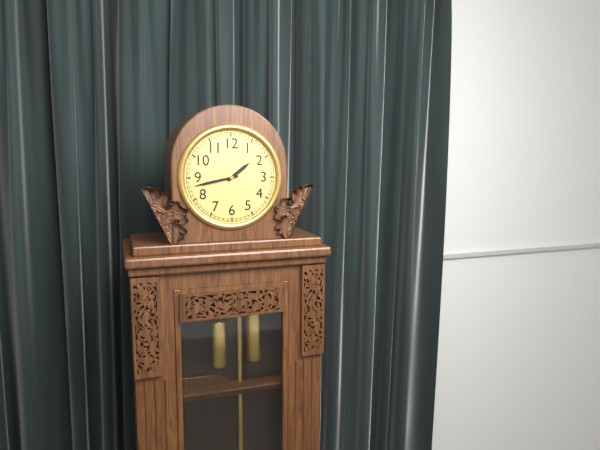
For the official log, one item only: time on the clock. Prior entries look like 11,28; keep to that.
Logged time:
1,43
